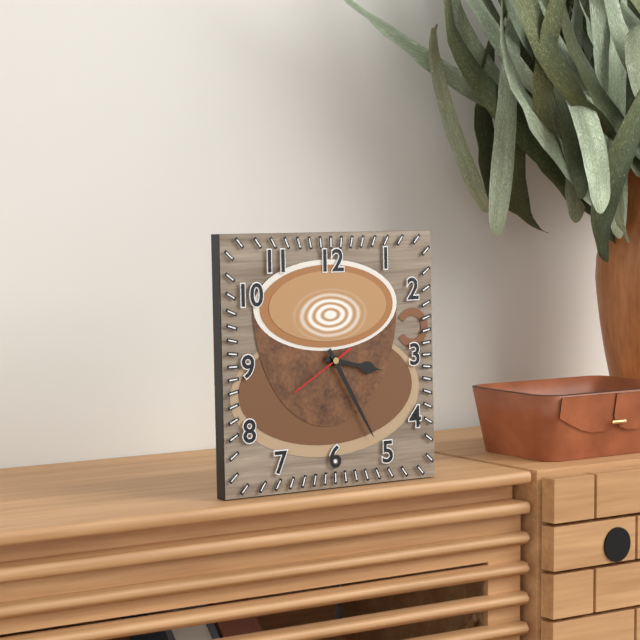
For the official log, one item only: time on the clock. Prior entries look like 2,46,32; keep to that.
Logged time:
3,25,40
